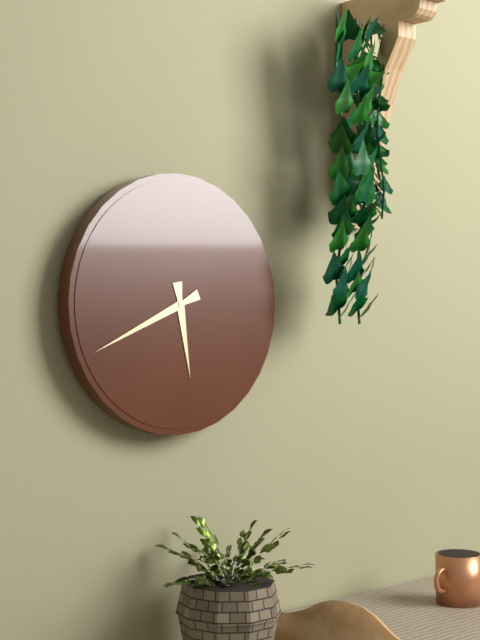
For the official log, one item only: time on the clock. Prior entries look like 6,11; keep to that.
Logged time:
5,41
